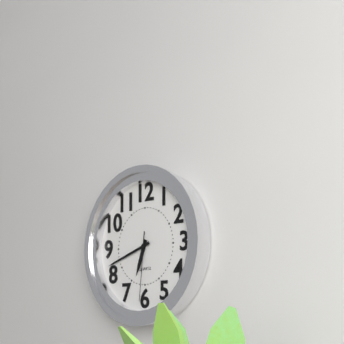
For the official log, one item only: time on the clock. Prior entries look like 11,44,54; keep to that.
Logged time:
6,42,31
